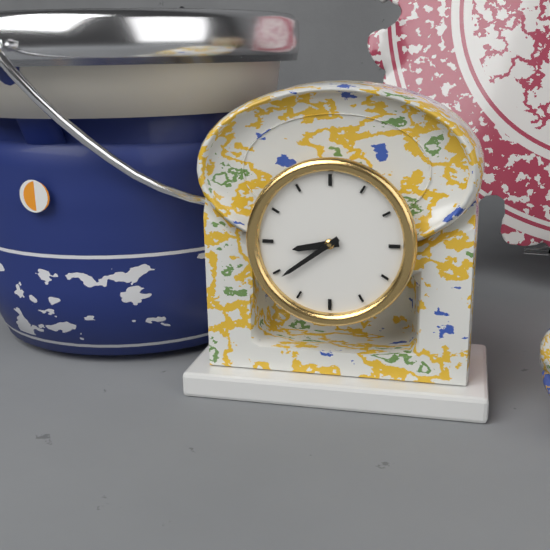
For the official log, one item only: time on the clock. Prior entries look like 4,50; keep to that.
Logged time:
8,39
